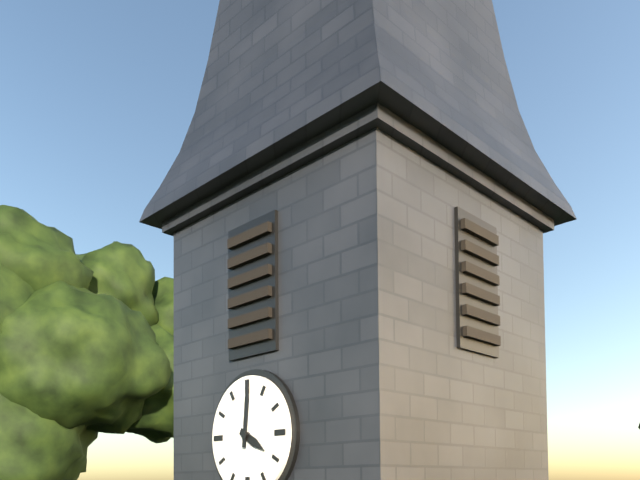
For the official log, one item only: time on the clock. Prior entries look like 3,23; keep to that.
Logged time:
4,01
